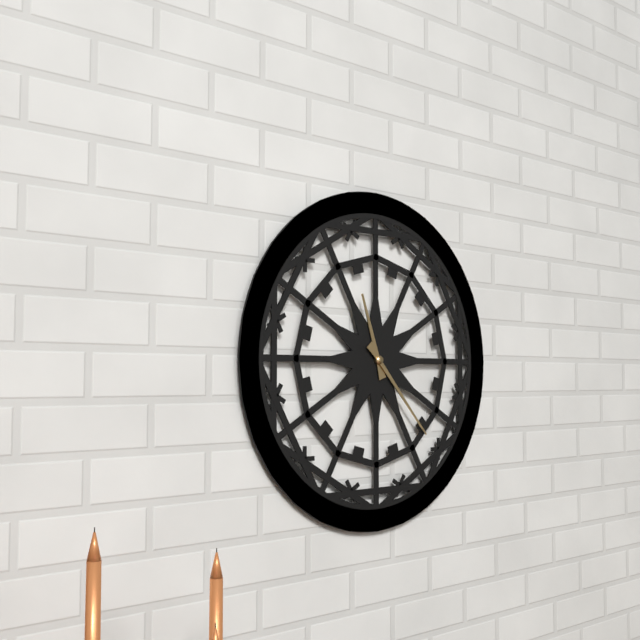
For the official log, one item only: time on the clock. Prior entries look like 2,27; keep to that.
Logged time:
11,23
